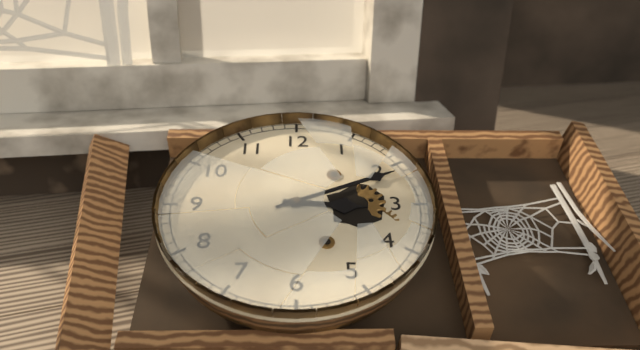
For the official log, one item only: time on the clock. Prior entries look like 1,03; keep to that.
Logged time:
3,11
